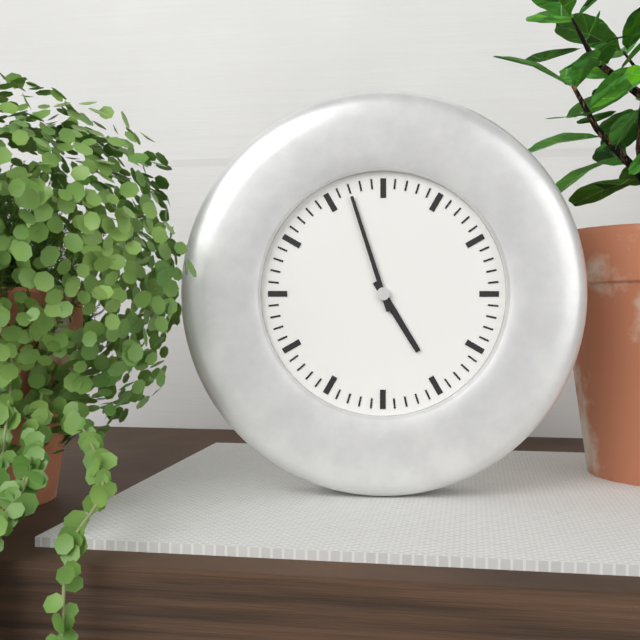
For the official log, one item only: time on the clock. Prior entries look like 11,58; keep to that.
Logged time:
4,57
